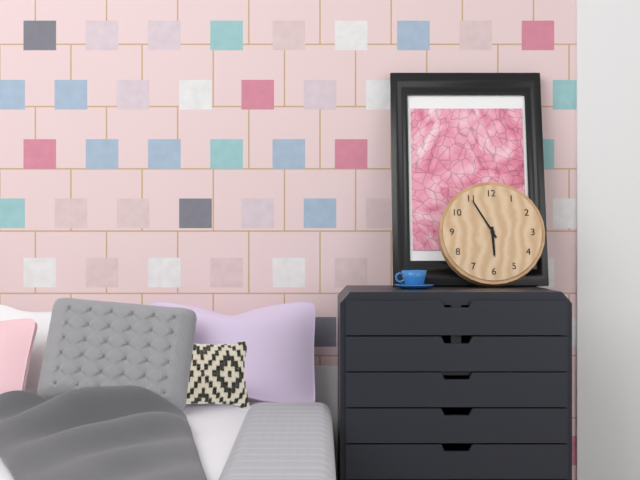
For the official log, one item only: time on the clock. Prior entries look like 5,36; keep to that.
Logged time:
5,55
